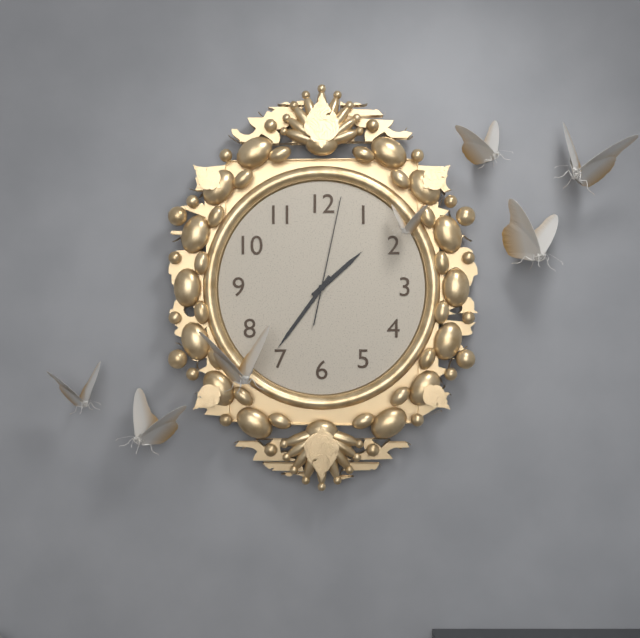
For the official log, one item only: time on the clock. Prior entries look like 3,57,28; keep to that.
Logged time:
1,36,02
